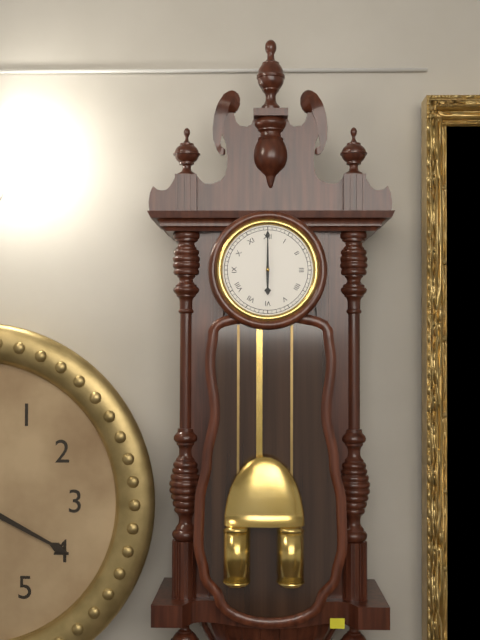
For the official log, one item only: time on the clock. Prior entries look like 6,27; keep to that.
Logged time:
6,00
